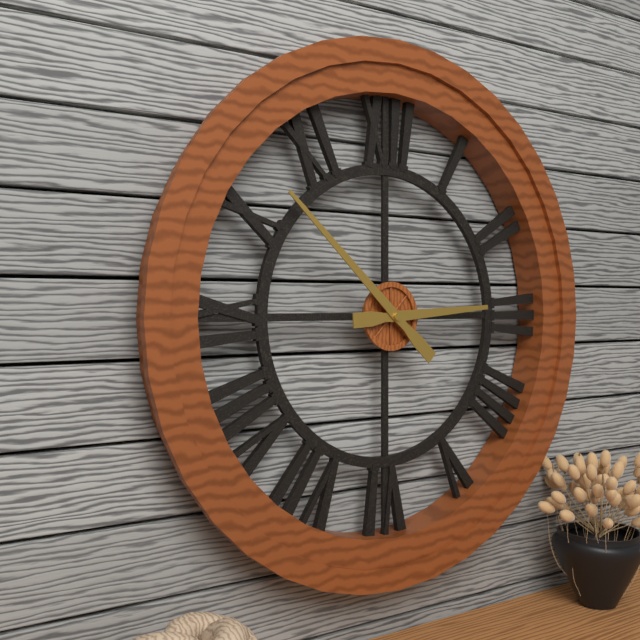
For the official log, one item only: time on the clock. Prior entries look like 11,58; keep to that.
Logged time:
2,52
